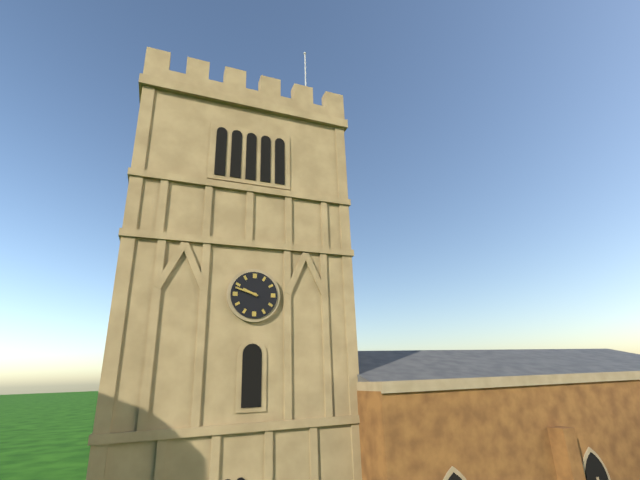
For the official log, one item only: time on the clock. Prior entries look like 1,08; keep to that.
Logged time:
9,48
